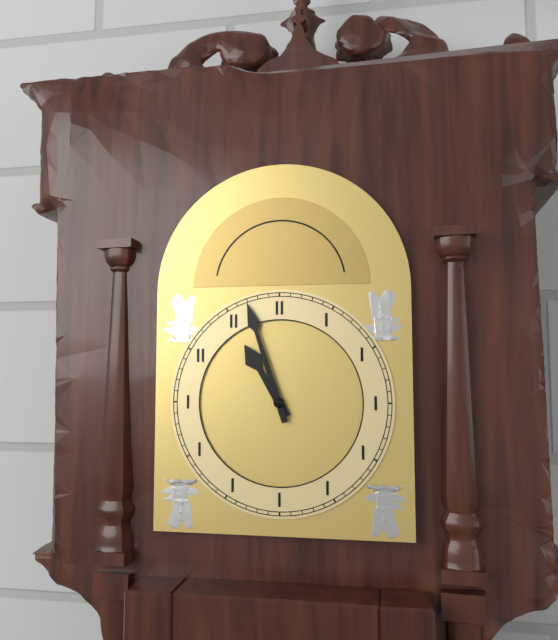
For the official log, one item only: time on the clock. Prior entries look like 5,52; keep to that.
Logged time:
10,57
